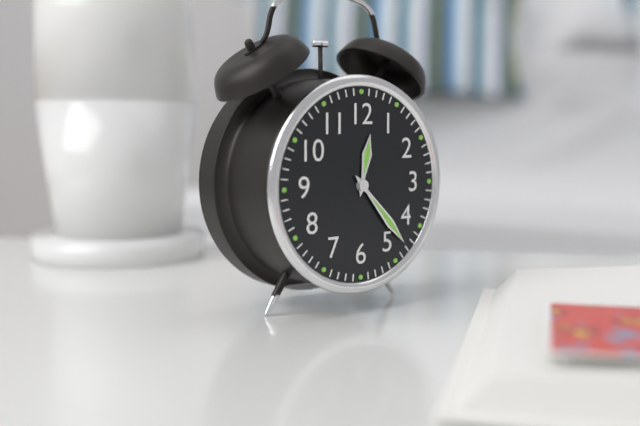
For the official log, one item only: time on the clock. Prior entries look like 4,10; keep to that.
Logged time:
12,23
